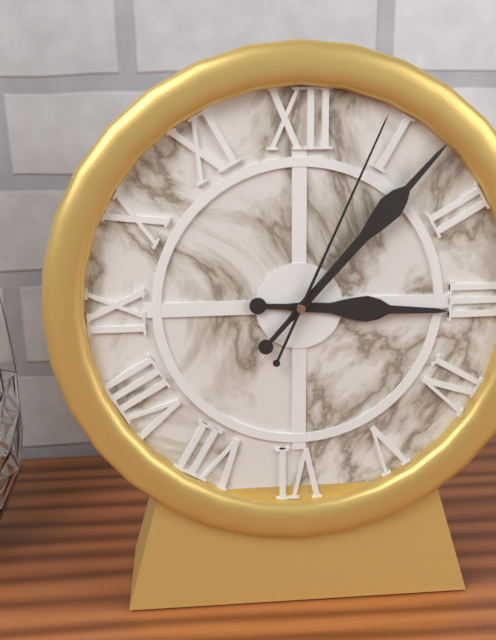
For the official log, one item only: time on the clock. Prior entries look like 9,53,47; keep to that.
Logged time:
3,07,04
